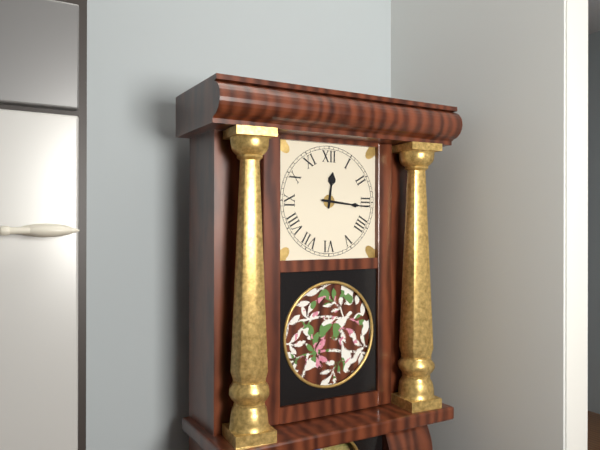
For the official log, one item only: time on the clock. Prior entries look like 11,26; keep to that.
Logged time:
12,16
